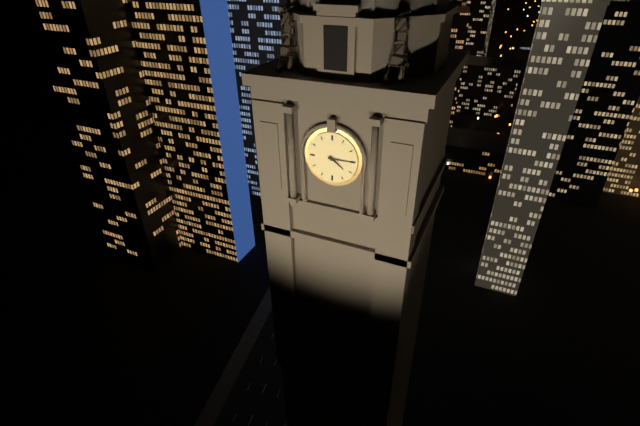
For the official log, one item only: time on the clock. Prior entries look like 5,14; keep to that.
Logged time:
4,15
